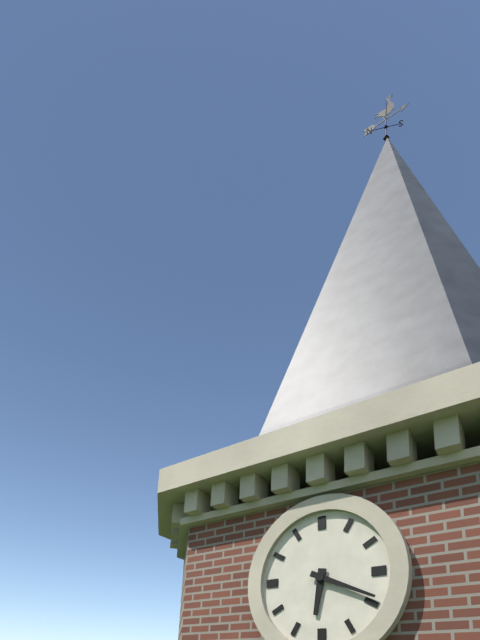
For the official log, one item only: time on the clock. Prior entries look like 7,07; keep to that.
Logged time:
6,19
